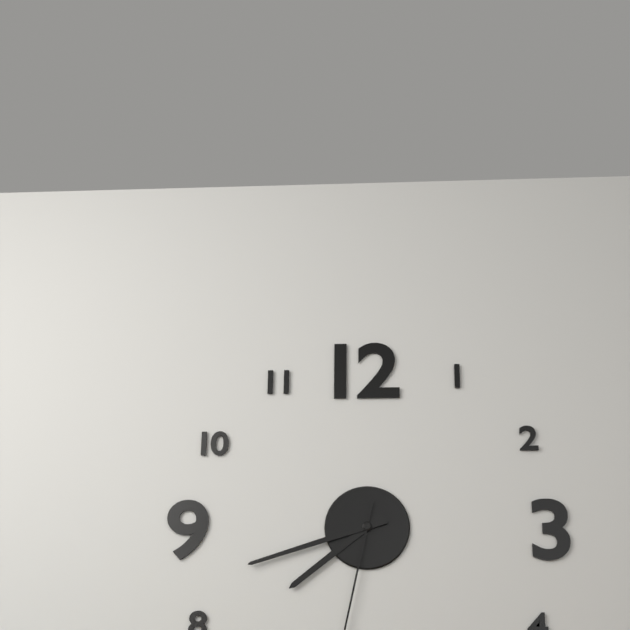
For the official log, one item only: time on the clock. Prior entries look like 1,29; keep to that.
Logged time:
7,42
